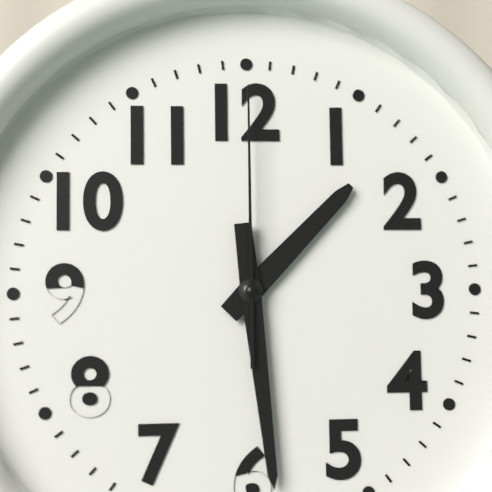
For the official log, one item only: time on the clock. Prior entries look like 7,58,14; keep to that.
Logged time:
1,29,00
